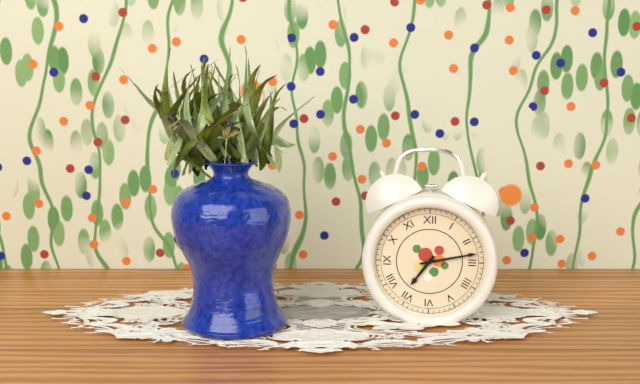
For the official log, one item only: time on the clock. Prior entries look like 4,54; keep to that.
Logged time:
7,13
